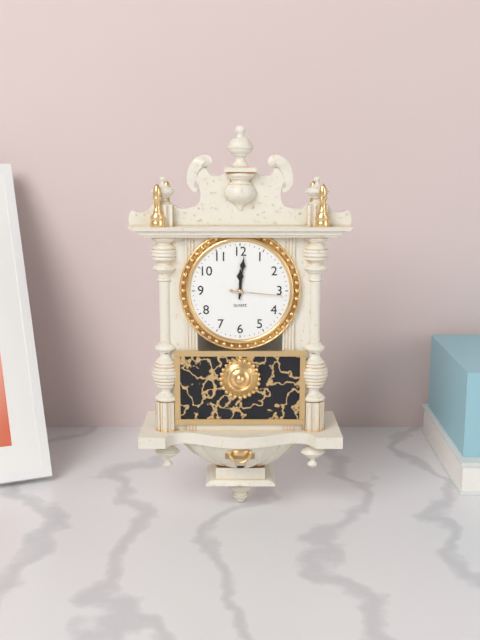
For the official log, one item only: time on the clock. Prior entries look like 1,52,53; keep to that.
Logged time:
12,01,16
